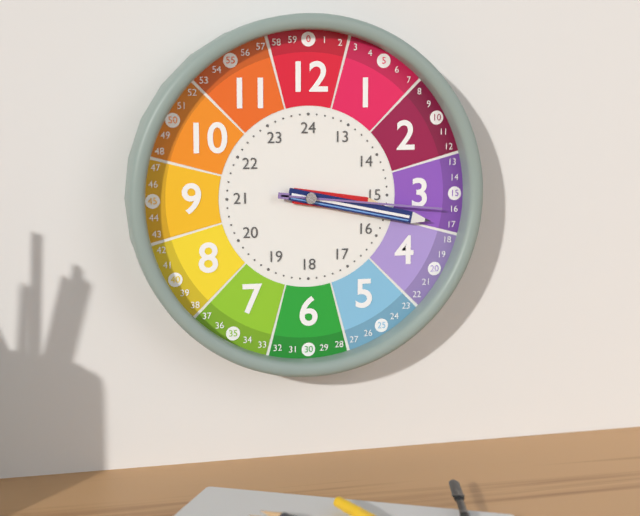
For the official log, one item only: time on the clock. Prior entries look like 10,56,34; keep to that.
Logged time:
3,17,16
